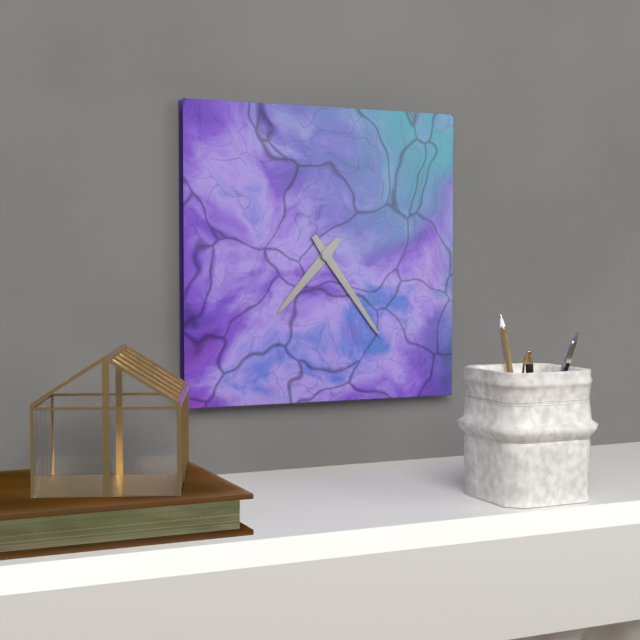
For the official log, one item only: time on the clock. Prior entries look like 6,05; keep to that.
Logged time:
7,24
